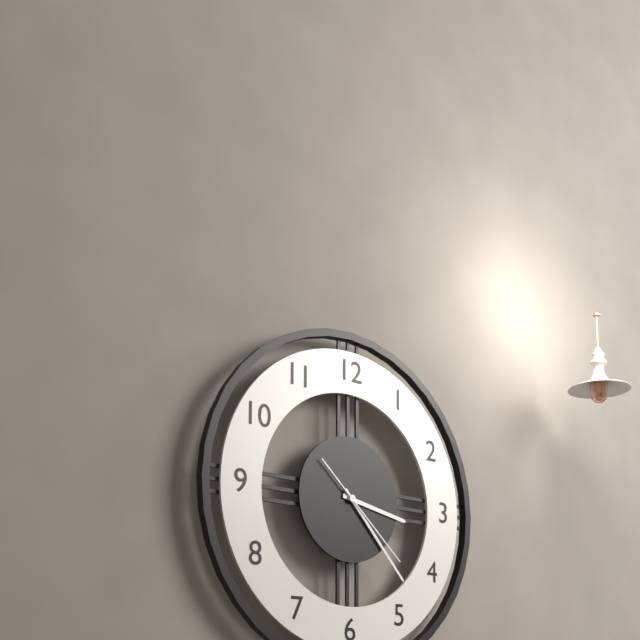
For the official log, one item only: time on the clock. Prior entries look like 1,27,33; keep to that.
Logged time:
3,23,22
